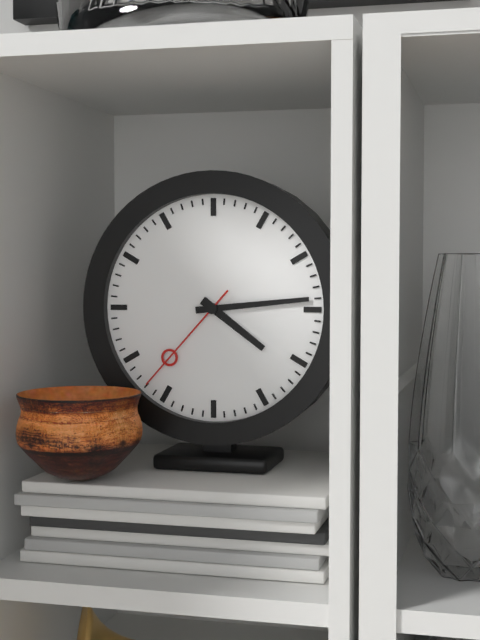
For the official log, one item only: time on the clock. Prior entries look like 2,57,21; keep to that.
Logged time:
4,14,37
